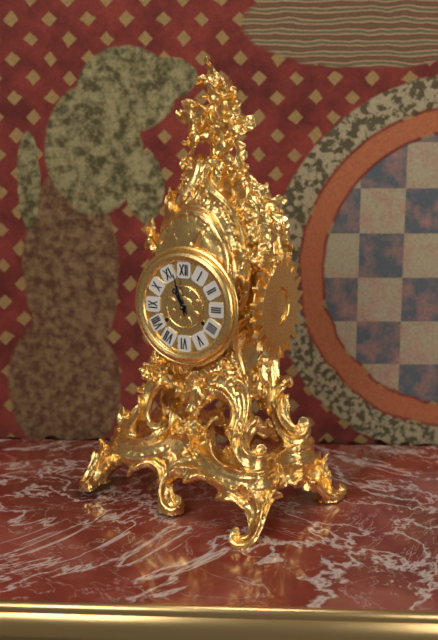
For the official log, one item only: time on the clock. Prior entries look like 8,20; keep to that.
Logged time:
10,57
